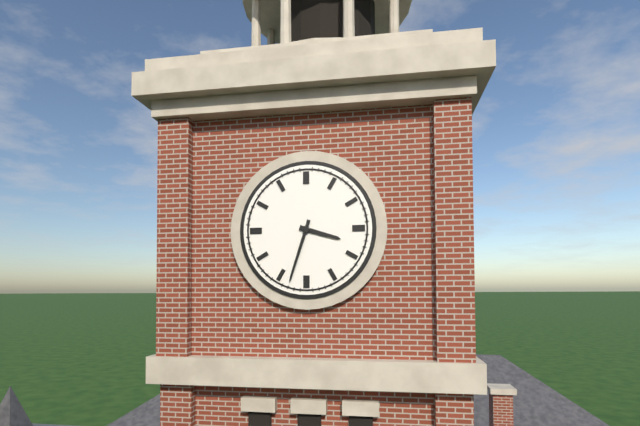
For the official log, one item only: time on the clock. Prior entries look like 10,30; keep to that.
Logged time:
3,33
